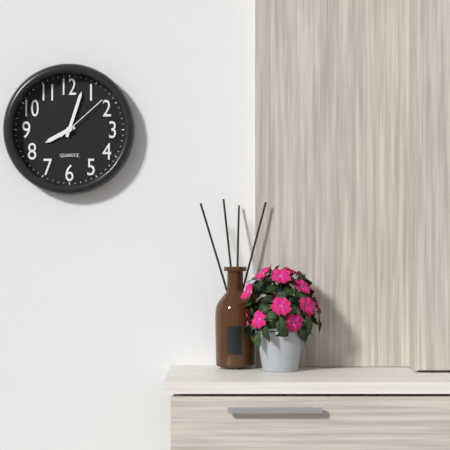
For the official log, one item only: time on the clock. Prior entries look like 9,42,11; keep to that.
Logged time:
8,03,08
